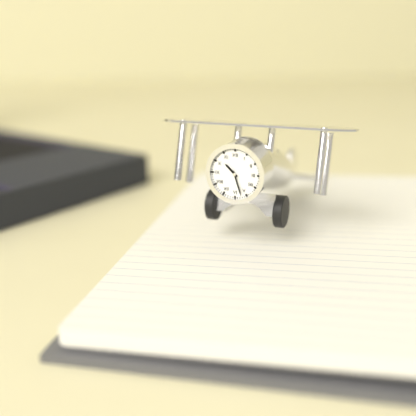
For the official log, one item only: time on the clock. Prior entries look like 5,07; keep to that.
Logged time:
10,27
